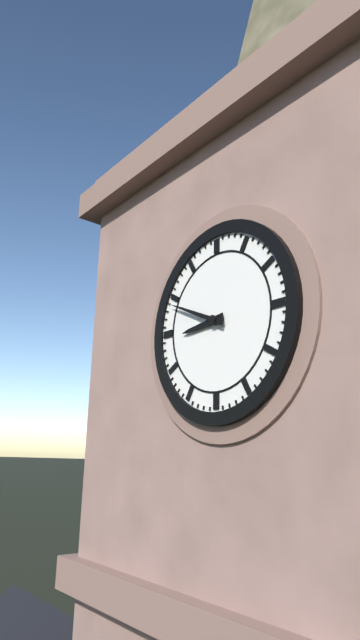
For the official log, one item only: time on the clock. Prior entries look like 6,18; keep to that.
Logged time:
8,49
